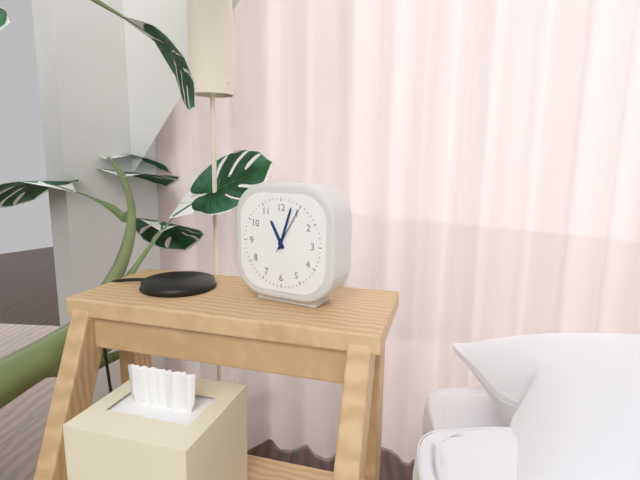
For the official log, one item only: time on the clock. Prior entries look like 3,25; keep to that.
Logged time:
11,03
